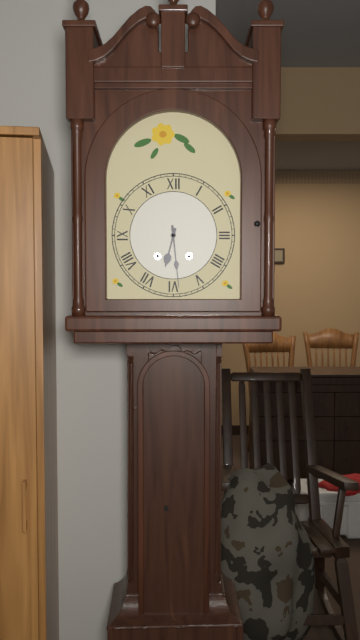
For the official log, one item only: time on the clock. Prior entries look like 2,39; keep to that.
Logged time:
6,29
